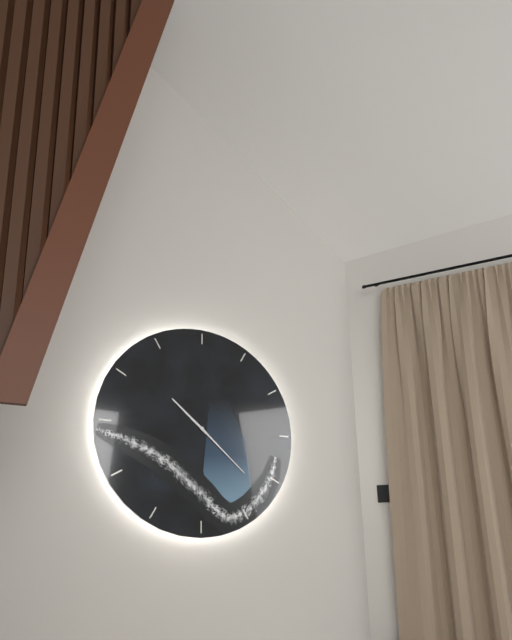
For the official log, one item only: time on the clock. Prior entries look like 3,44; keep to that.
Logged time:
10,22
